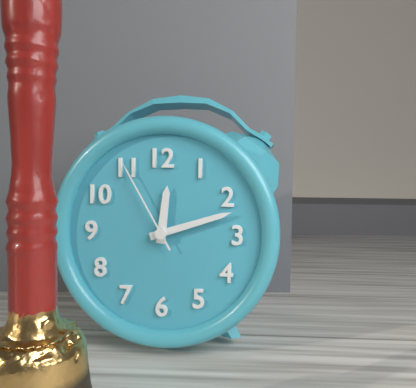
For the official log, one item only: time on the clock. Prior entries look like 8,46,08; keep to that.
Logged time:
12,12,55
